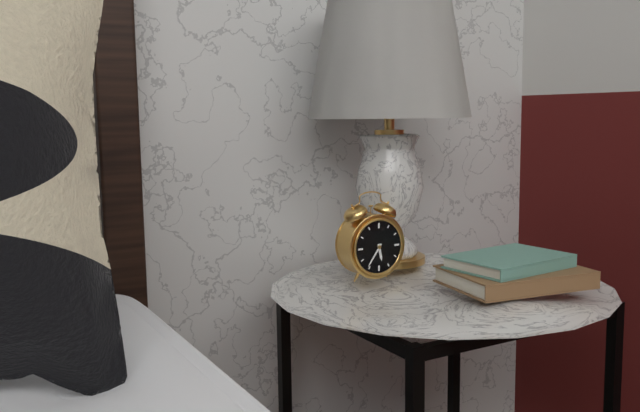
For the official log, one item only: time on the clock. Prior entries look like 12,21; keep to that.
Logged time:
5,36
